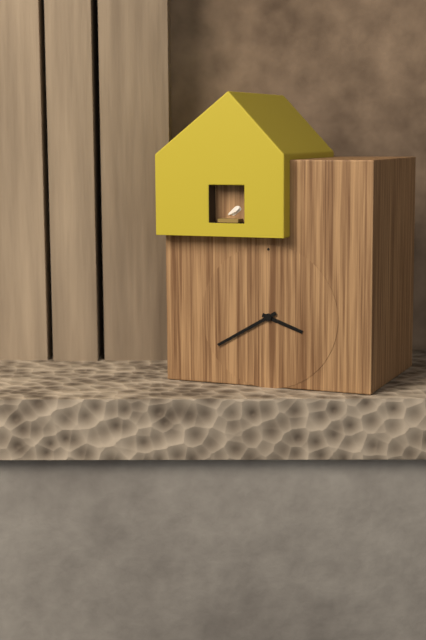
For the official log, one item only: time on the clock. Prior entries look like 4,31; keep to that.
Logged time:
3,40
